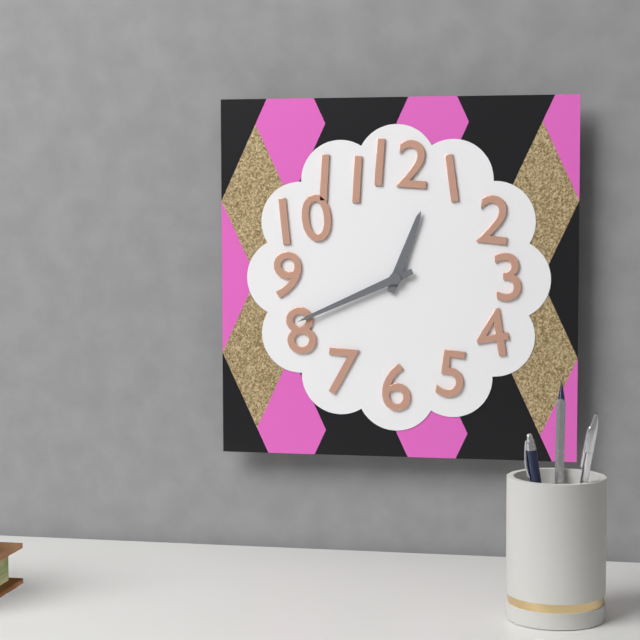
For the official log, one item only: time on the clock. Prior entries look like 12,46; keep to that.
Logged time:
12,41
